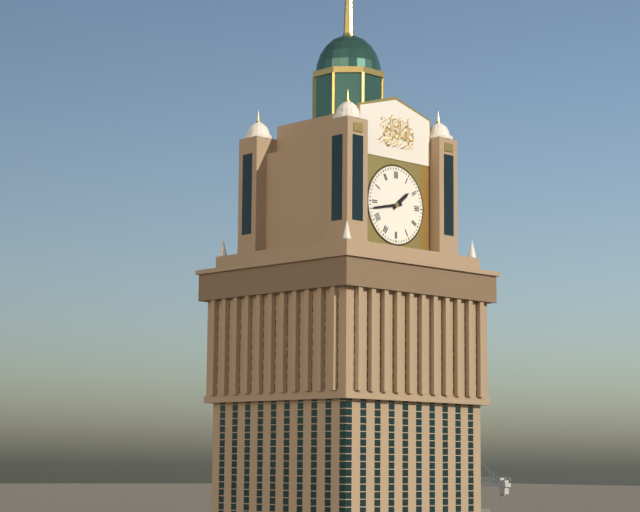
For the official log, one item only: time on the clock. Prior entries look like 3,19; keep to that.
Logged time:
1,43
